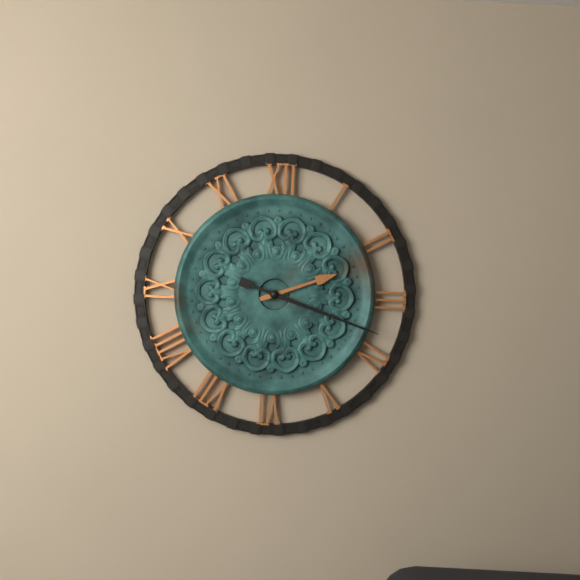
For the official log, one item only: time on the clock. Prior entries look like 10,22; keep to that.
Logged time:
2,18
